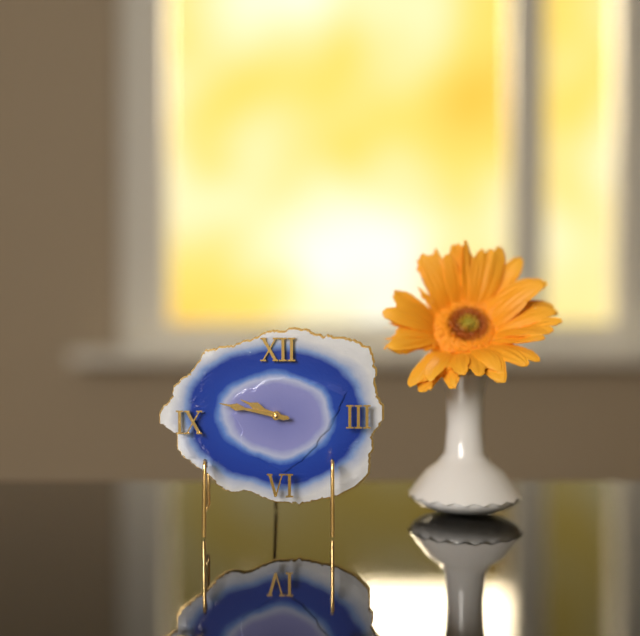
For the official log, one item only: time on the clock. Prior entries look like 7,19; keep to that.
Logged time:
9,47
